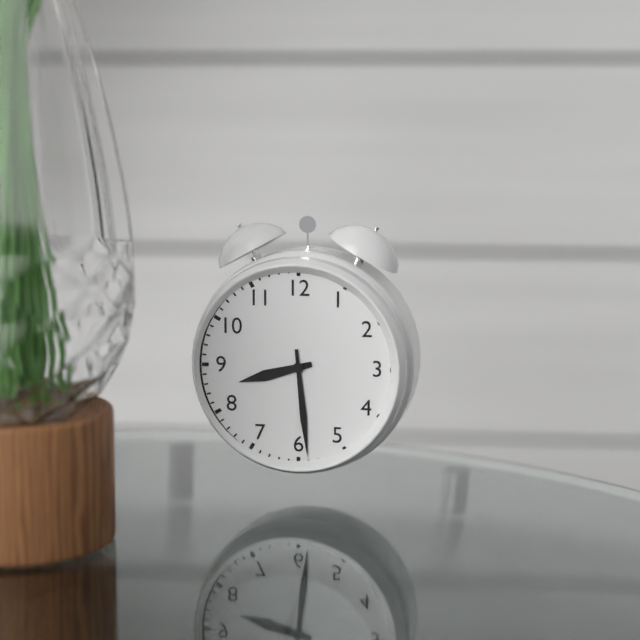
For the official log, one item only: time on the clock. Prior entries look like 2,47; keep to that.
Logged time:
8,29
